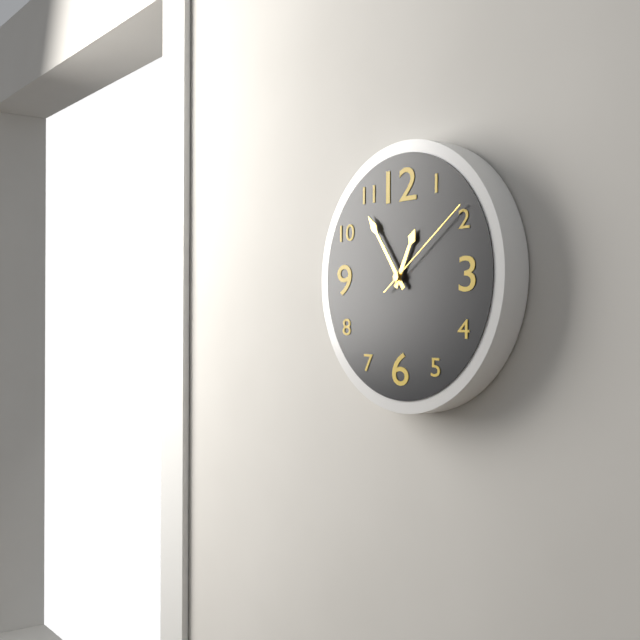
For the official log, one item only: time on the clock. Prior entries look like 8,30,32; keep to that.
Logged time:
12,54,09
